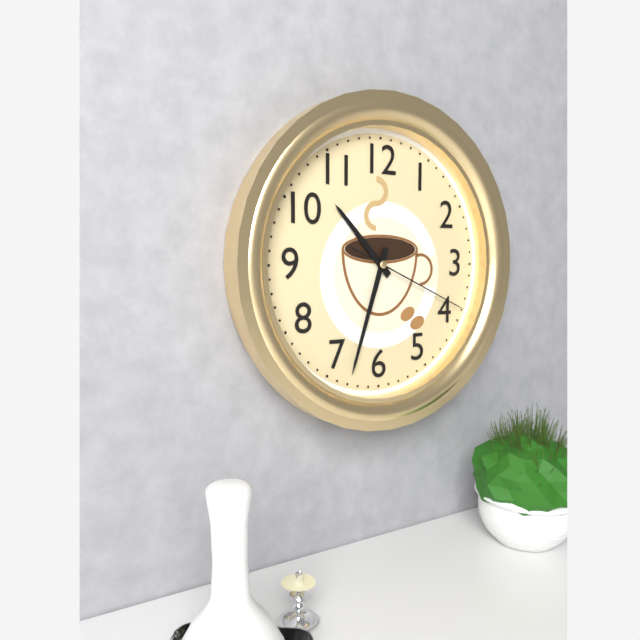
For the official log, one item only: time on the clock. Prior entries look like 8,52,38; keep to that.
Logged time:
10,33,19
